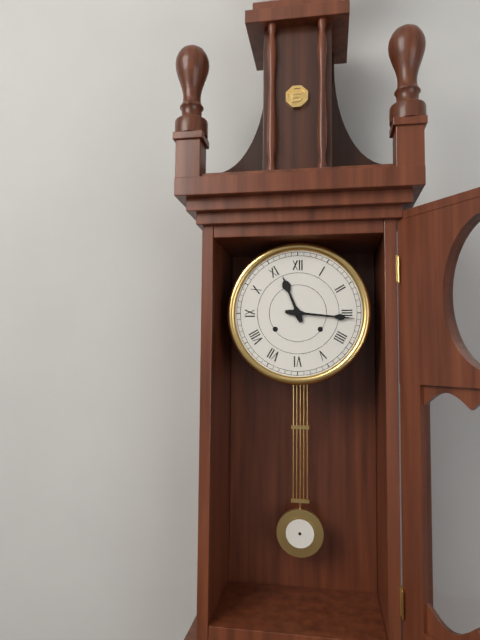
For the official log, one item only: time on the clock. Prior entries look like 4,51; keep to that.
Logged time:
11,16
